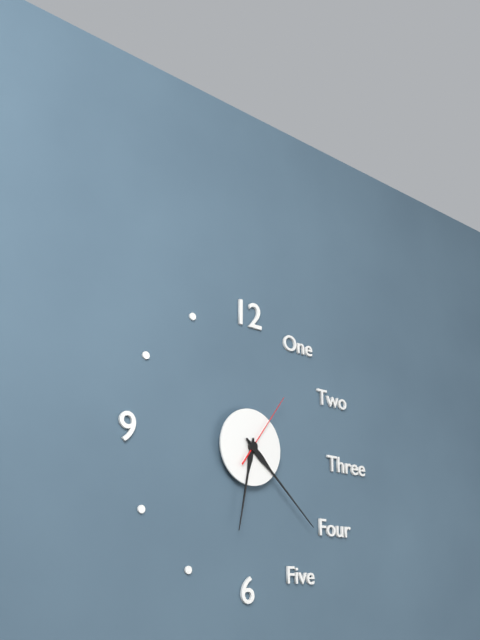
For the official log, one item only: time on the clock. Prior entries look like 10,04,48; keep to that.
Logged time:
6,22,06
